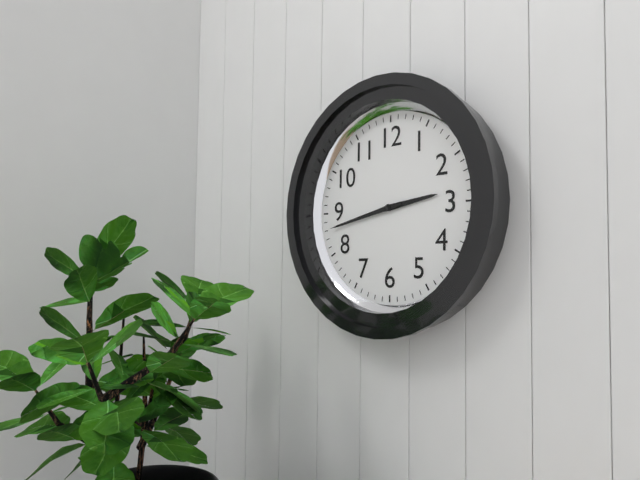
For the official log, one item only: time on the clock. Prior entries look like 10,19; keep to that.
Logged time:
2,43
